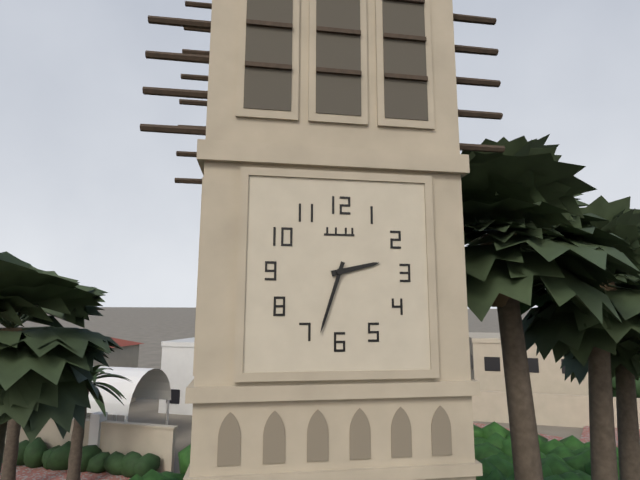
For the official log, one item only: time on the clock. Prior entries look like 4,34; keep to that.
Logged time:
2,33
